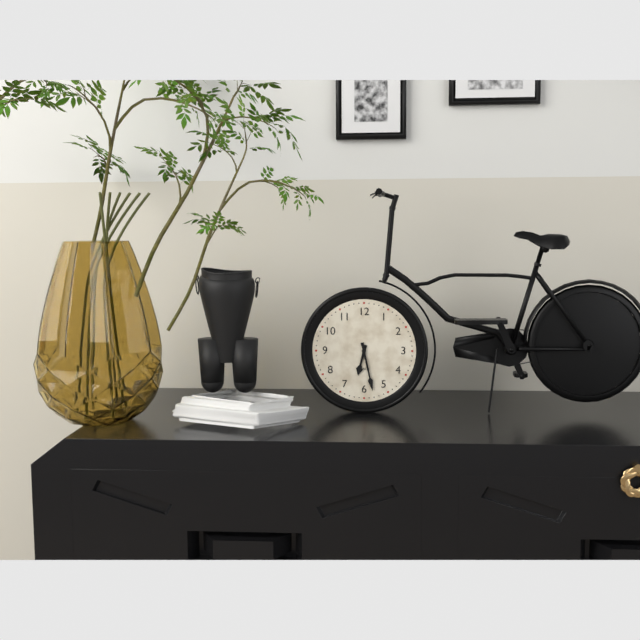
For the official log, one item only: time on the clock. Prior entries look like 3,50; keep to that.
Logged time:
6,28
